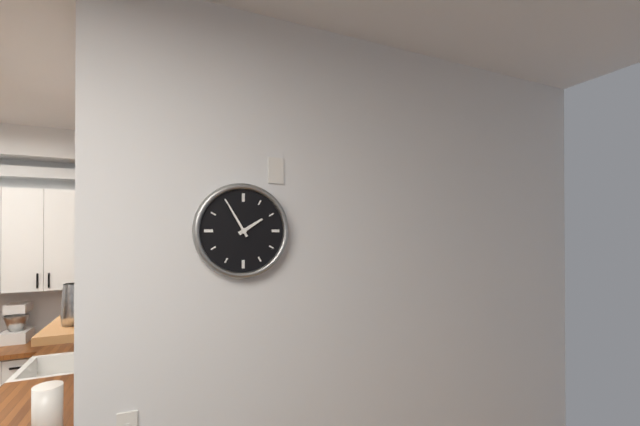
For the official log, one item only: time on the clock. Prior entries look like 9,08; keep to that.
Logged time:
1,55
